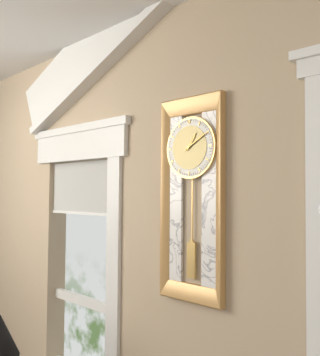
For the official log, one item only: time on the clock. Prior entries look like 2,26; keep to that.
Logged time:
1,10
